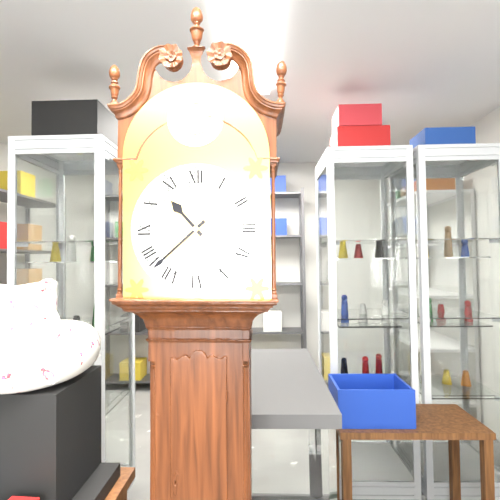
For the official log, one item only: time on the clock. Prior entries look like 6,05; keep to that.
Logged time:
10,38
